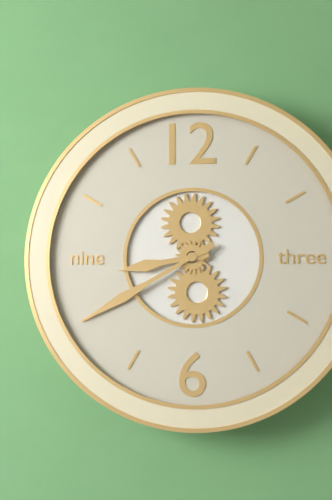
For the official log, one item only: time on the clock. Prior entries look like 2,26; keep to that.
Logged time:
8,40
